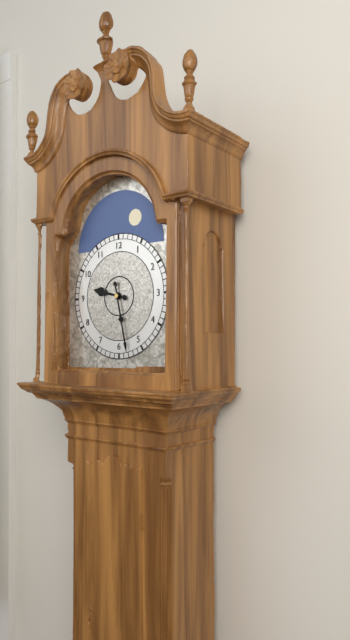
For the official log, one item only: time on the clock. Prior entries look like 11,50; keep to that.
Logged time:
9,28
